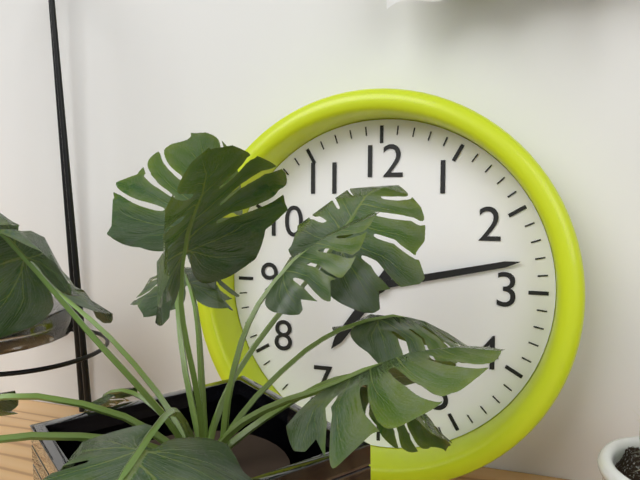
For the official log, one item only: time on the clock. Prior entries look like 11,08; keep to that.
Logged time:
7,13
